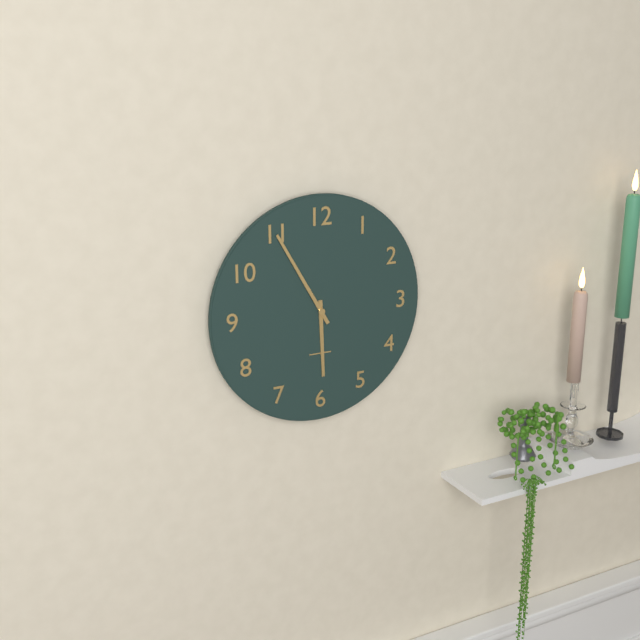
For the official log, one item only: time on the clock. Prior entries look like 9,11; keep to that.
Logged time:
5,55
